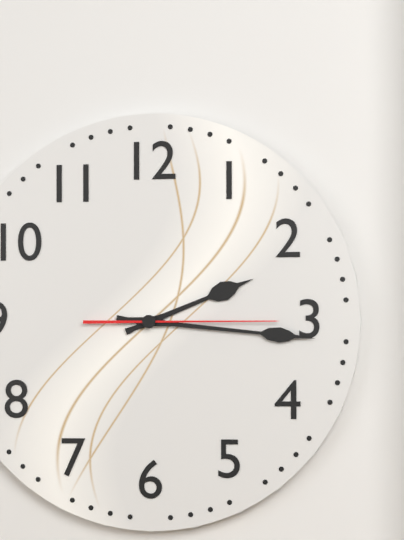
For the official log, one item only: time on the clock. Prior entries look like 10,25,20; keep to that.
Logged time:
2,16,15
